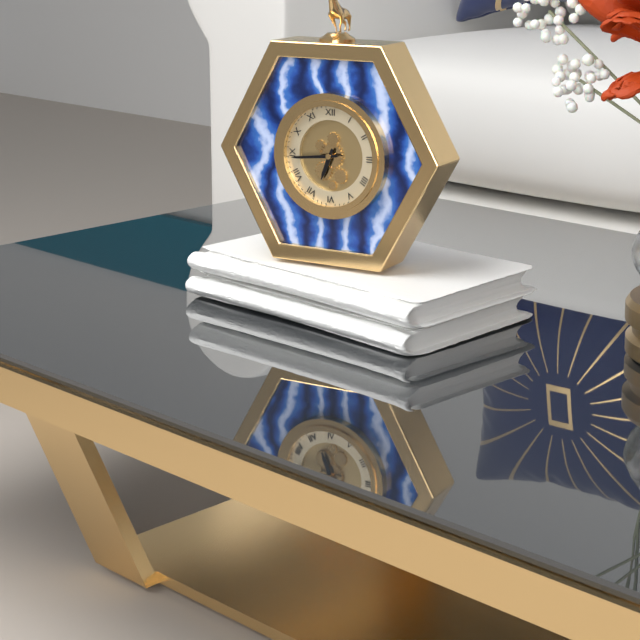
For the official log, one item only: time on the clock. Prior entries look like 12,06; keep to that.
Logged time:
6,44
